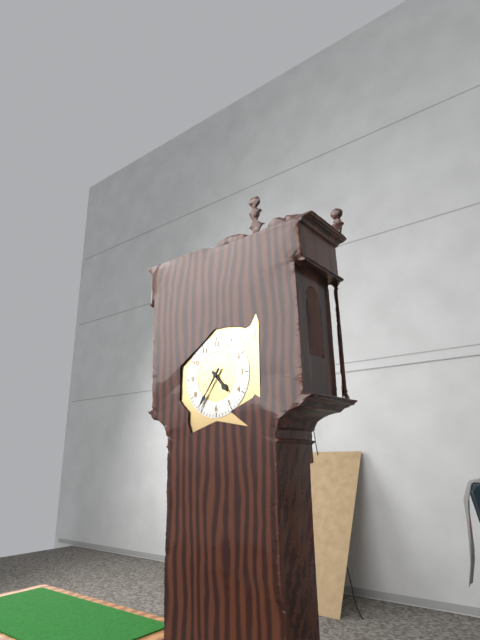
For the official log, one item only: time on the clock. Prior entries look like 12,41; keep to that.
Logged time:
4,36
